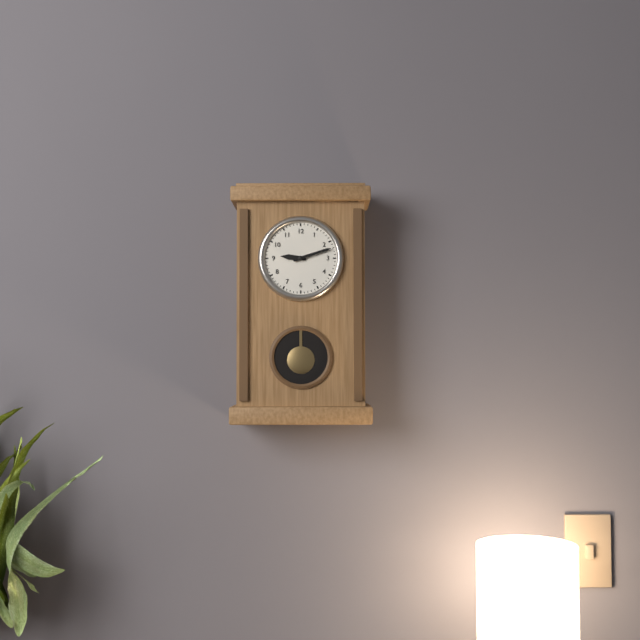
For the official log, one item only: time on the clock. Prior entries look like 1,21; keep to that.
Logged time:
9,12
